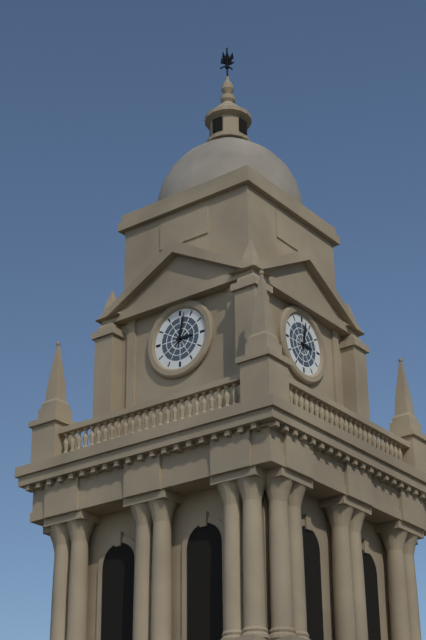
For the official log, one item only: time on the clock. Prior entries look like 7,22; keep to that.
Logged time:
3,02
